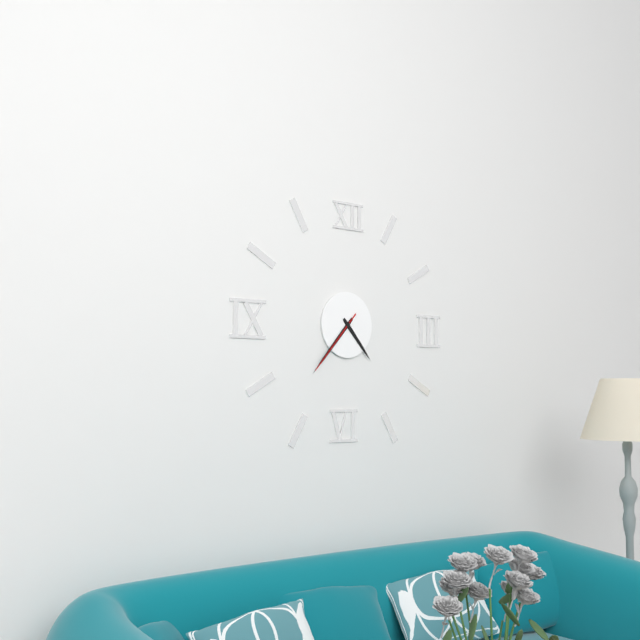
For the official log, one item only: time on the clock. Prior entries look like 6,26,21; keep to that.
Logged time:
4,37,37
